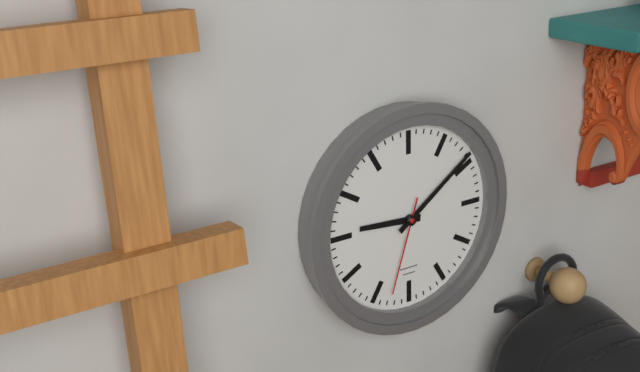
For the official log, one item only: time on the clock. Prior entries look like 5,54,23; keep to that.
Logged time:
9,09,33
